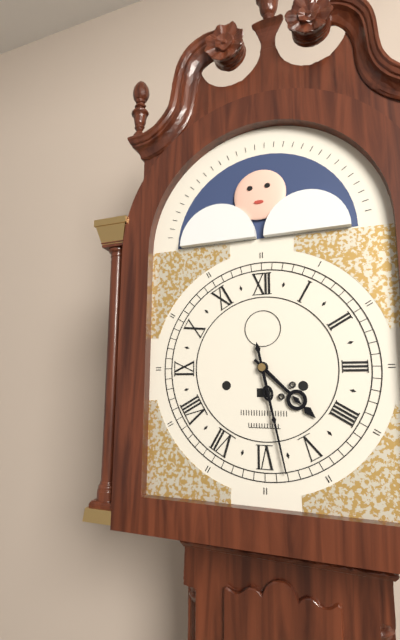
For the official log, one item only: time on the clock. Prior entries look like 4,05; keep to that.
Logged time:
4,28
